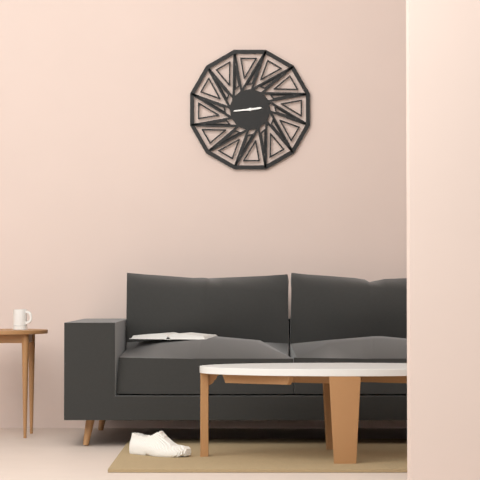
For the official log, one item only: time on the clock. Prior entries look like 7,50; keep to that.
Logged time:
2,44
